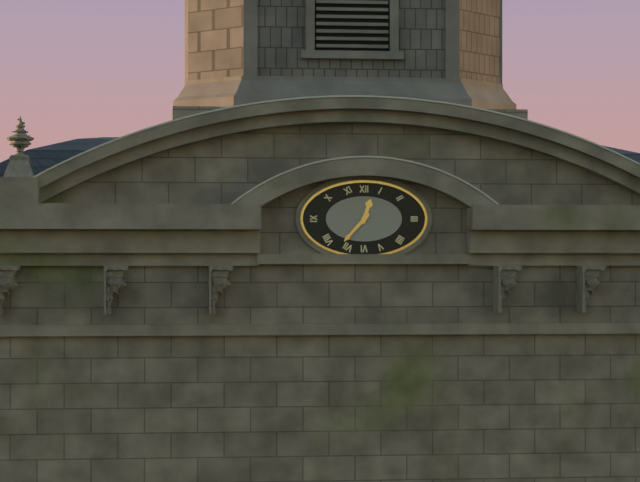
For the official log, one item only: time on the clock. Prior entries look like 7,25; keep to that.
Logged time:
12,37
